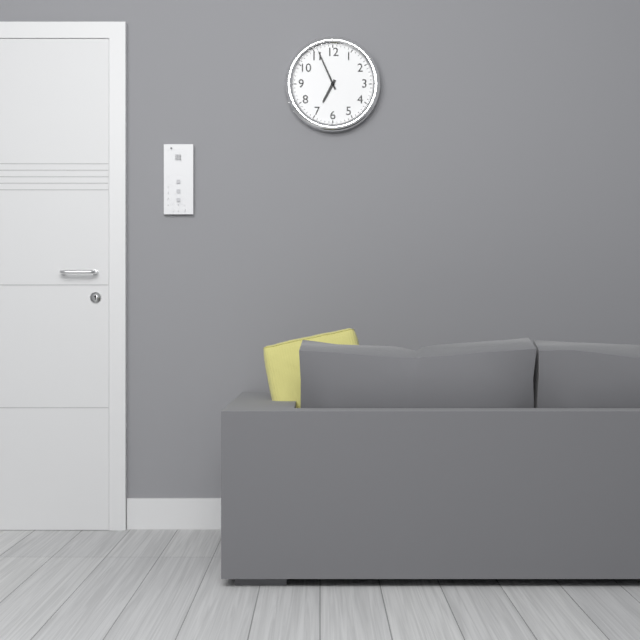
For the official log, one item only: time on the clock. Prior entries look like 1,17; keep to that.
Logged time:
6,56
